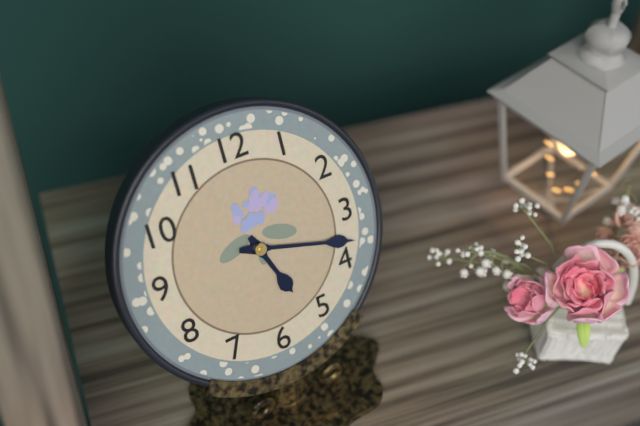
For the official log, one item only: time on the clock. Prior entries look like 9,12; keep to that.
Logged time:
5,18
